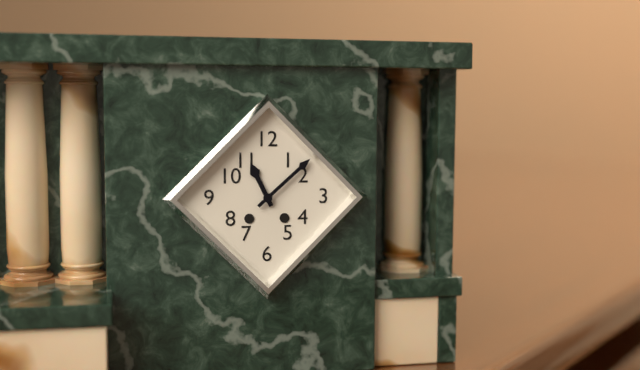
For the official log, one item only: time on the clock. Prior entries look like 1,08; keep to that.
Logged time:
11,08
